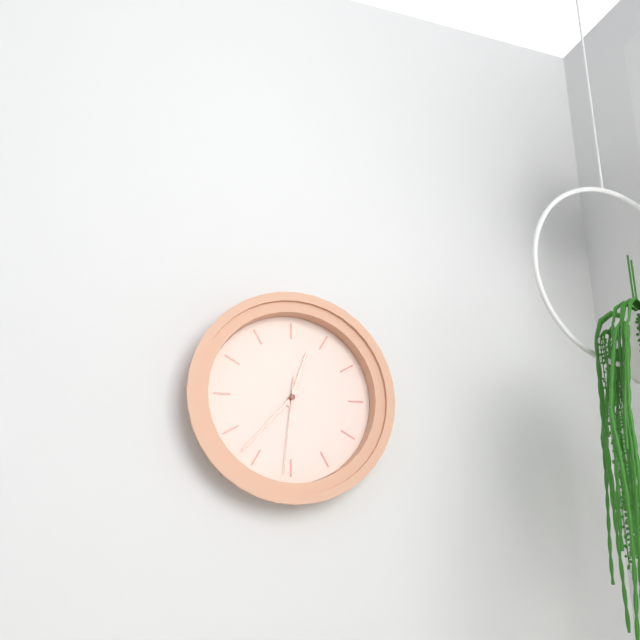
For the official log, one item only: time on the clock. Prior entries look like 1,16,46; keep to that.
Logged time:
12,37,31
